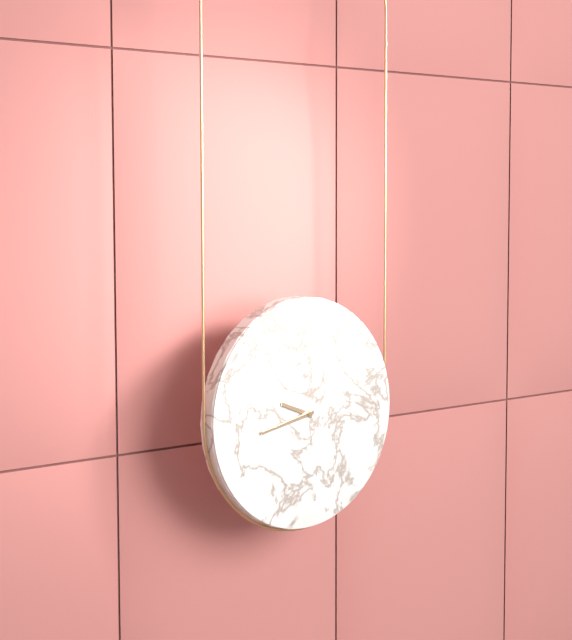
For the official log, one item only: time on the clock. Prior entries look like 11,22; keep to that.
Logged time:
9,43
